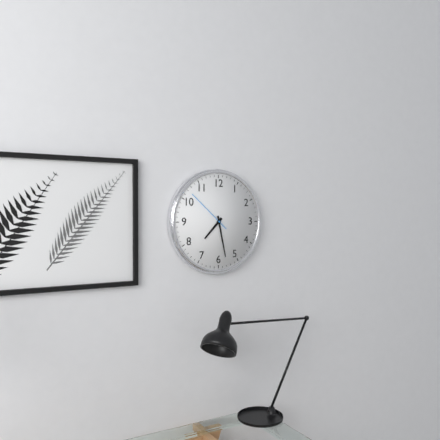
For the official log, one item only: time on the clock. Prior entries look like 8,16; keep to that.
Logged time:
7,28
